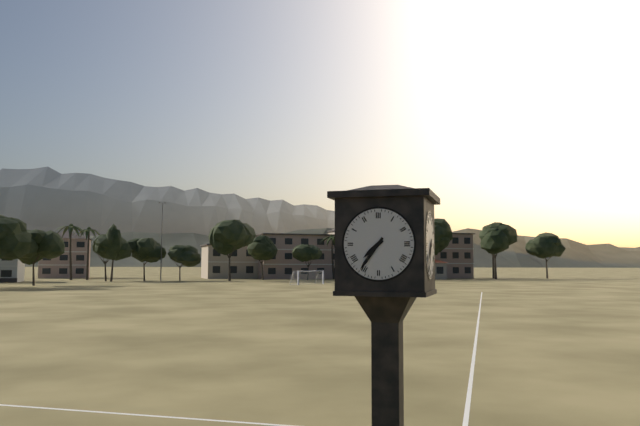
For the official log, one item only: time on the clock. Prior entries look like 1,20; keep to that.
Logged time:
7,36
